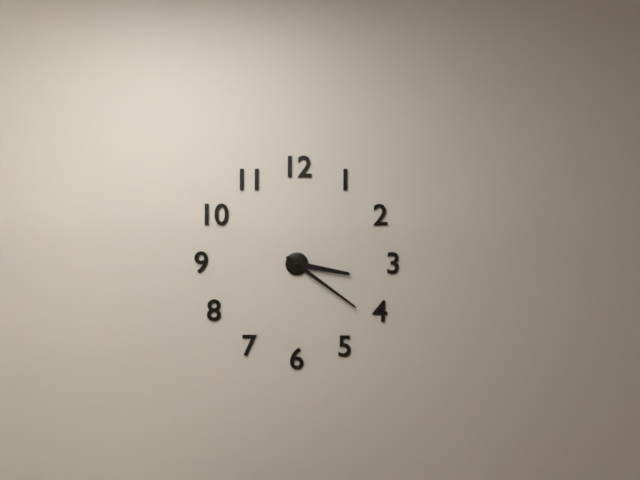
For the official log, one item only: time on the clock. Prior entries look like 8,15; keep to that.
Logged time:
3,21
